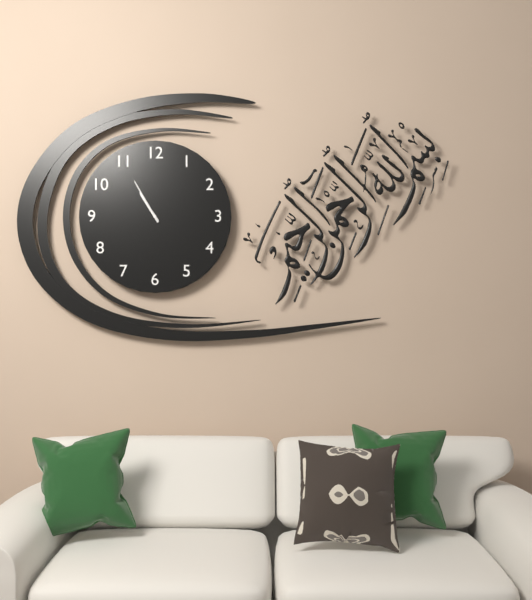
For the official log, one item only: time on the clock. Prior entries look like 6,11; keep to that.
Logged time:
10,55
